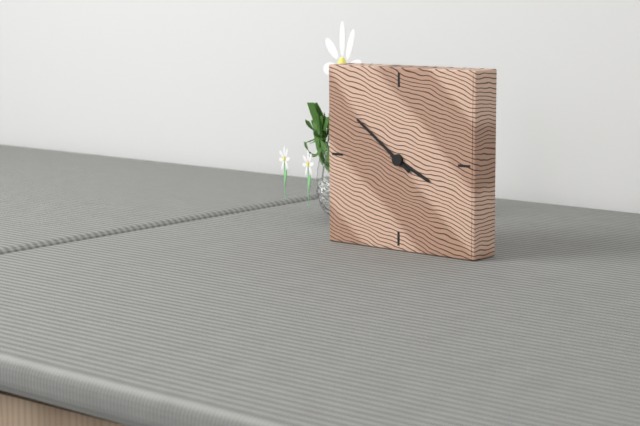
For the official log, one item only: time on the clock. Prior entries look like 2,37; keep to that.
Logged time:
3,51
